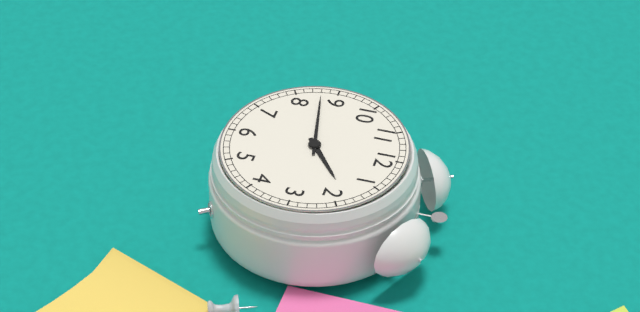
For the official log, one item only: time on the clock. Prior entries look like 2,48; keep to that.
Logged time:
1,43
